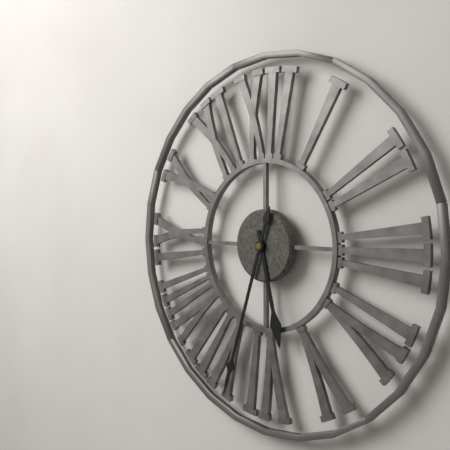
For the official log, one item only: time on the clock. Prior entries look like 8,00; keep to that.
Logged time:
5,33
